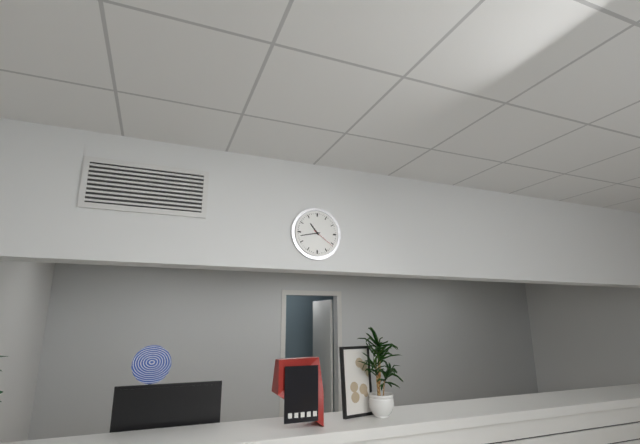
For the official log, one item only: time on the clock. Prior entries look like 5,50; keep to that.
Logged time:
10,43
